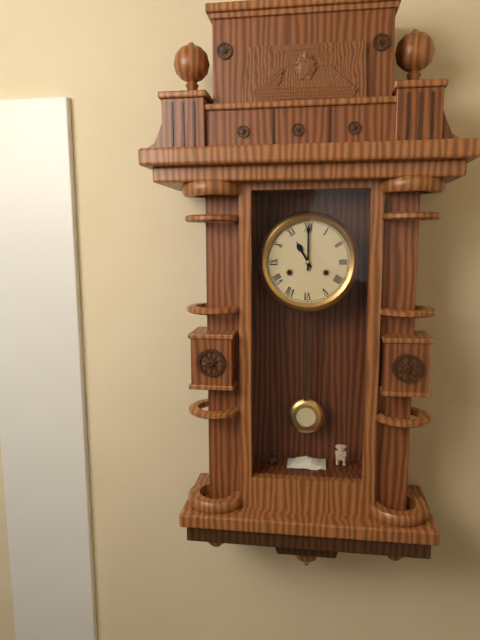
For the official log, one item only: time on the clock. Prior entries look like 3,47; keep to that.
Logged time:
11,00
